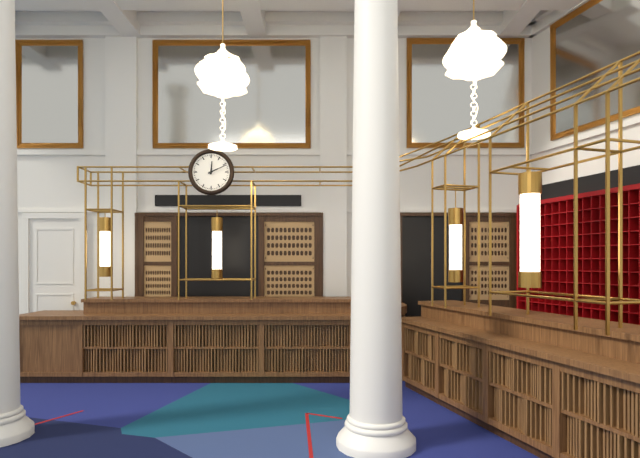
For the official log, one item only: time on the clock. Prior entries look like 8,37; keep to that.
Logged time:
12,11
